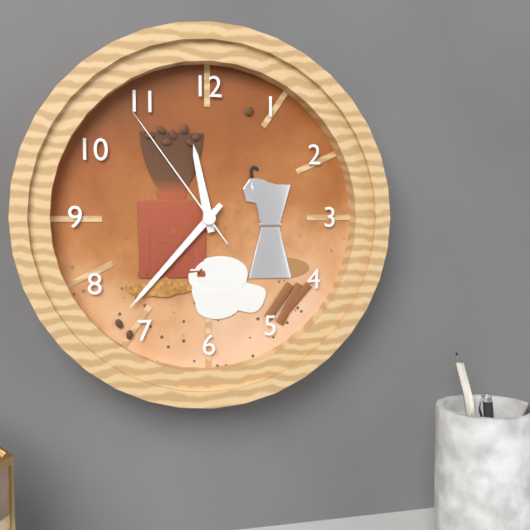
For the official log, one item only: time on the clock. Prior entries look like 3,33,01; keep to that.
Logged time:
11,37,54
